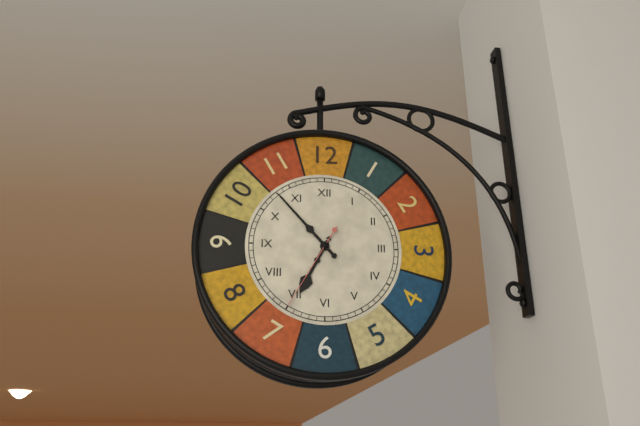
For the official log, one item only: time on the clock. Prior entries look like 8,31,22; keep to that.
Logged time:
6,53,35
